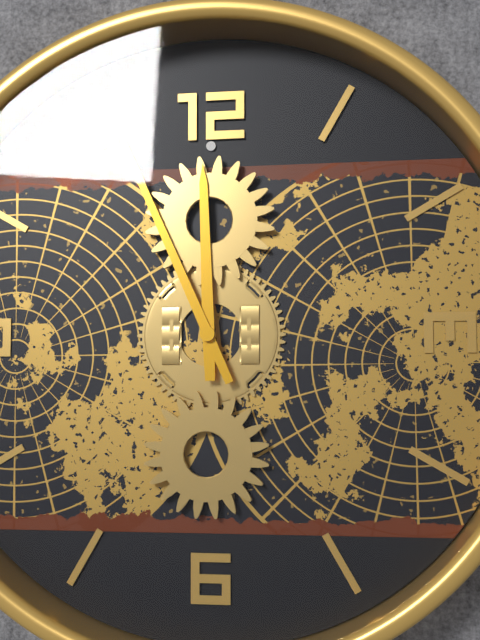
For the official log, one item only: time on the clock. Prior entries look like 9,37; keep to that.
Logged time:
11,56
